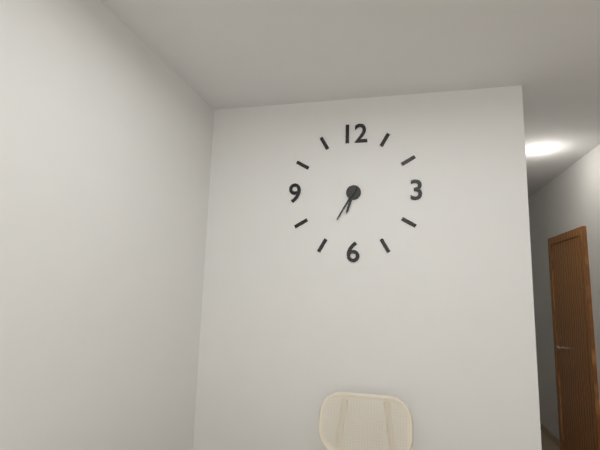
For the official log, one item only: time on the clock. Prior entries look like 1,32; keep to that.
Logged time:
6,35
